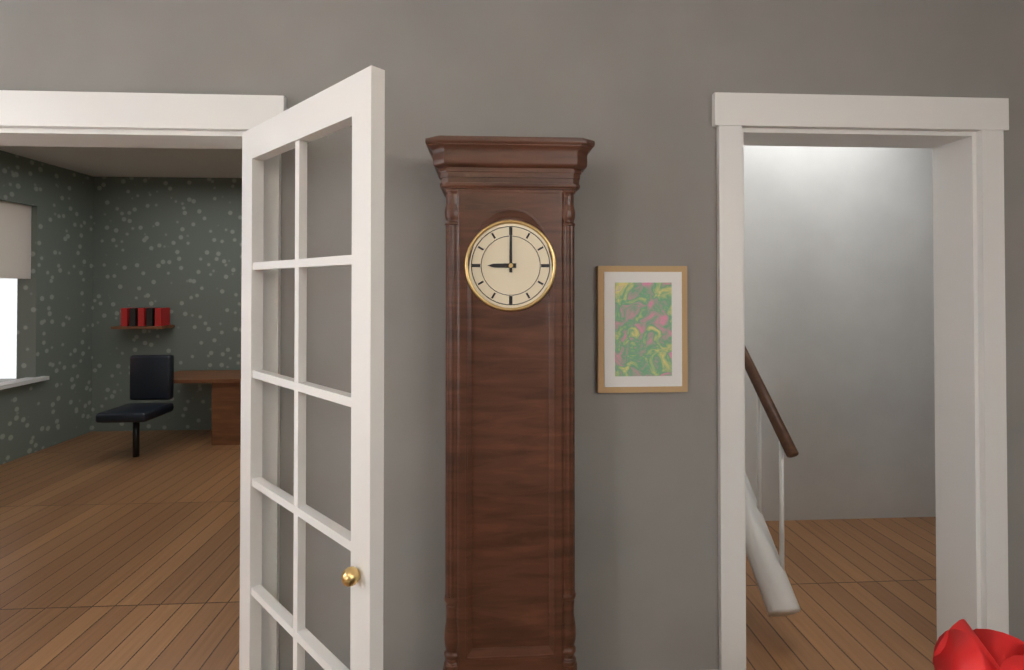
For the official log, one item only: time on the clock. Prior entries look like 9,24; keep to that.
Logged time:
9,00
